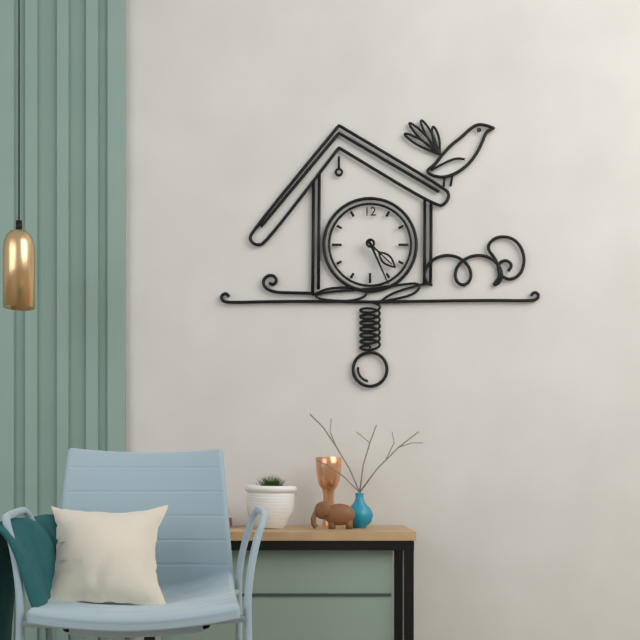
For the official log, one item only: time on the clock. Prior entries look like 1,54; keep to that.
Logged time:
4,26
